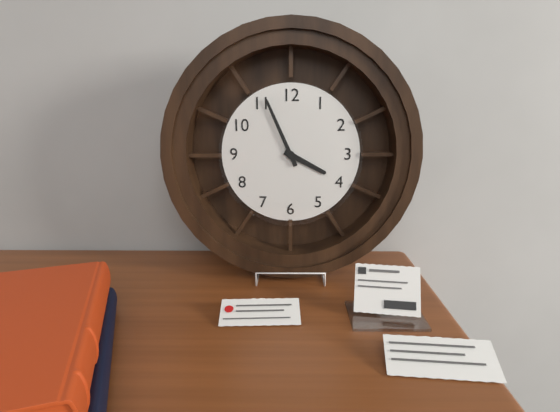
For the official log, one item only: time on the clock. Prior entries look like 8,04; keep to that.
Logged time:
3,56
